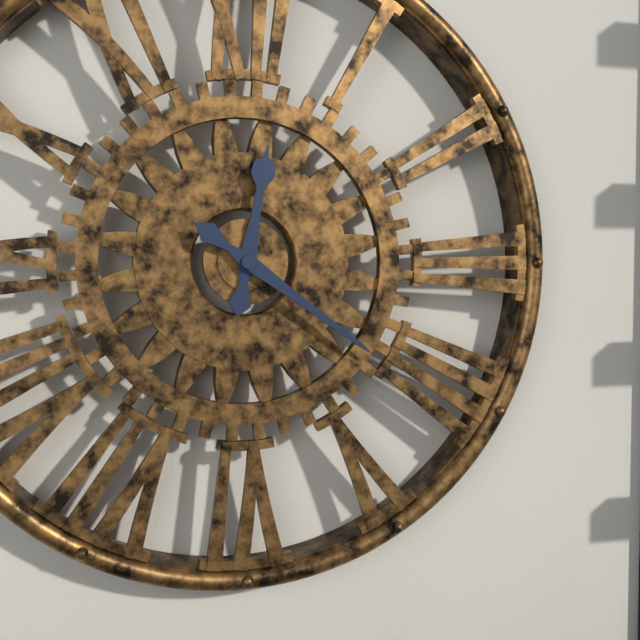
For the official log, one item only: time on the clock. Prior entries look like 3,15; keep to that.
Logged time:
12,21
